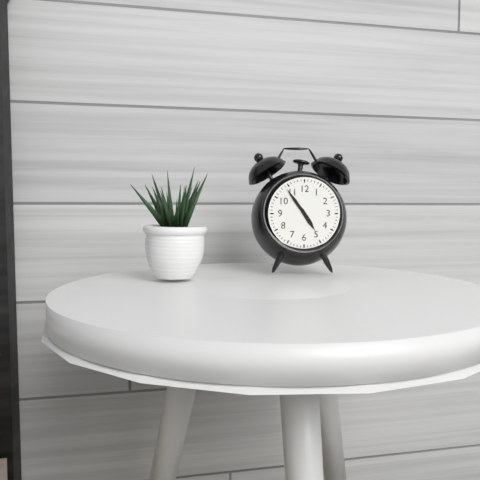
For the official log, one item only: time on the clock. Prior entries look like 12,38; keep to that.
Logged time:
4,54
